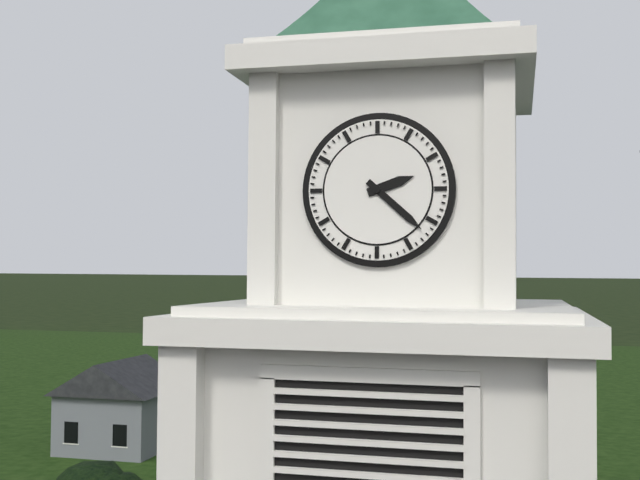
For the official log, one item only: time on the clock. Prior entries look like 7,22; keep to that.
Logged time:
2,22
